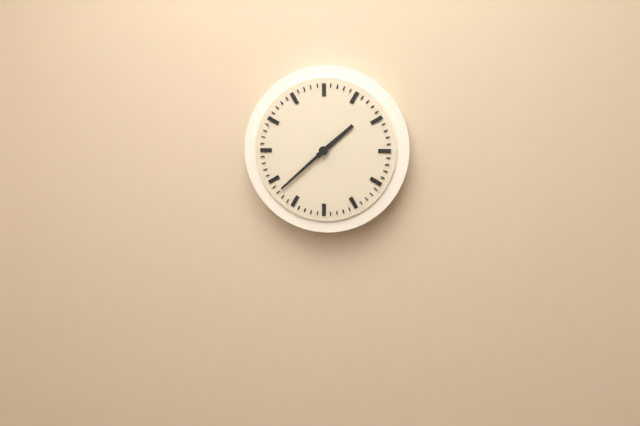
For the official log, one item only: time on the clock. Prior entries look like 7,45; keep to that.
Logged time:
1,38
